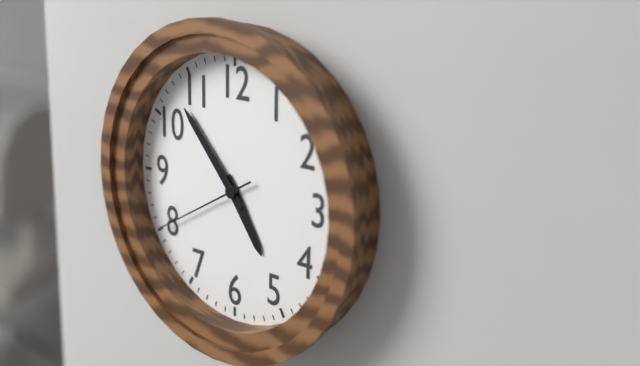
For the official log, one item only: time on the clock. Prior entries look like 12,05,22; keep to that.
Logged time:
4,53,40
